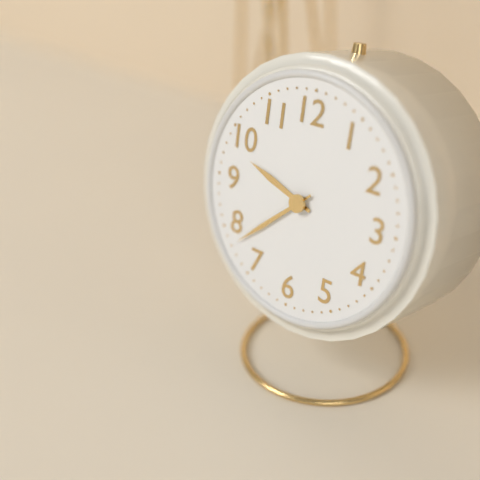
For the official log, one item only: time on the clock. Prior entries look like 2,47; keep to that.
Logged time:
9,38
